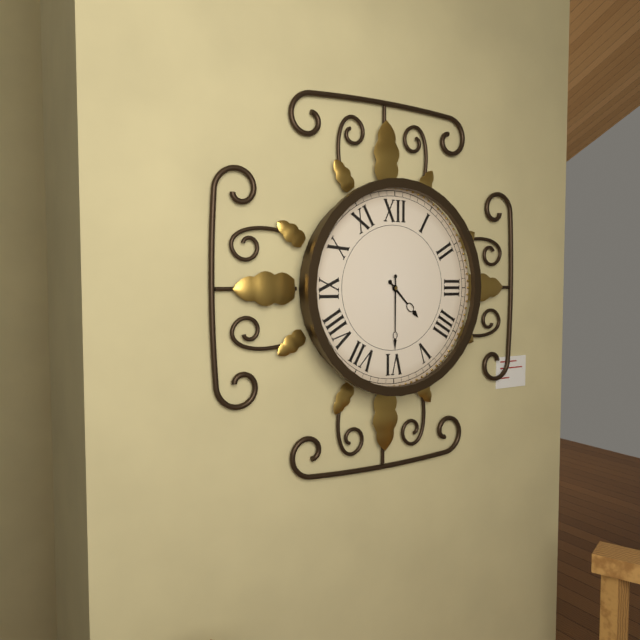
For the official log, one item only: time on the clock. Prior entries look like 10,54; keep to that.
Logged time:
4,30
